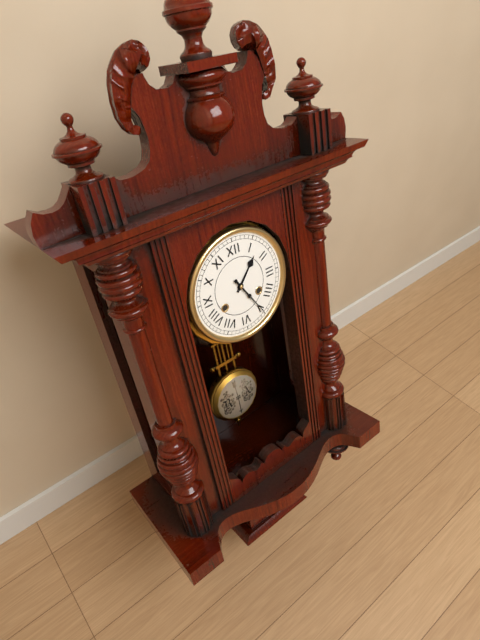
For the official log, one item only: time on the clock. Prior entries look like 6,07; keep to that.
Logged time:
1,25
